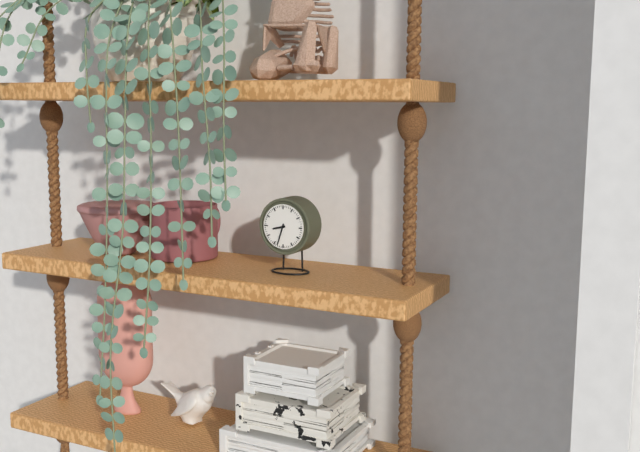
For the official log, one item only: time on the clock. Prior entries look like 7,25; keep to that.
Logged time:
8,33
